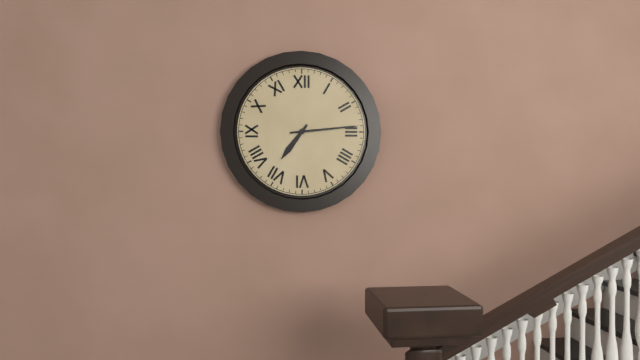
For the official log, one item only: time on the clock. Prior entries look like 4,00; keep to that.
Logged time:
7,14
